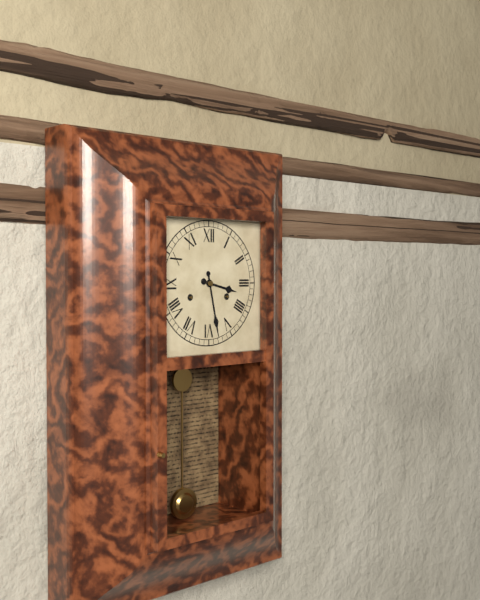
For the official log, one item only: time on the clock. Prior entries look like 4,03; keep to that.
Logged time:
3,28
